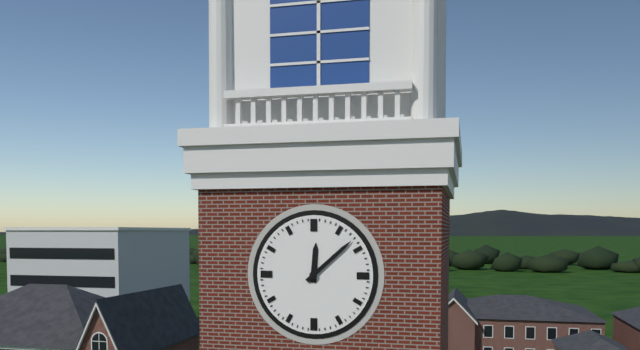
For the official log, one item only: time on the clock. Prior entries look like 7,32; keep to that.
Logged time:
12,08
